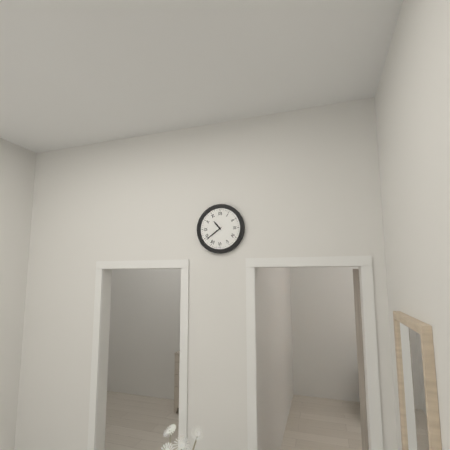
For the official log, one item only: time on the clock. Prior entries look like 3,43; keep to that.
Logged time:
10,39
